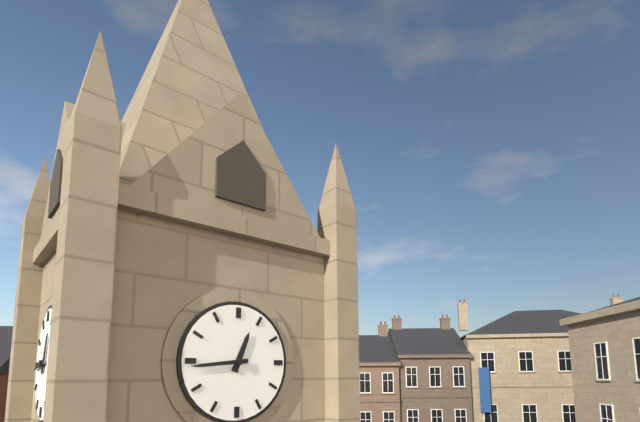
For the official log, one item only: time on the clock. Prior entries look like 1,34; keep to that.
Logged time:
12,44
